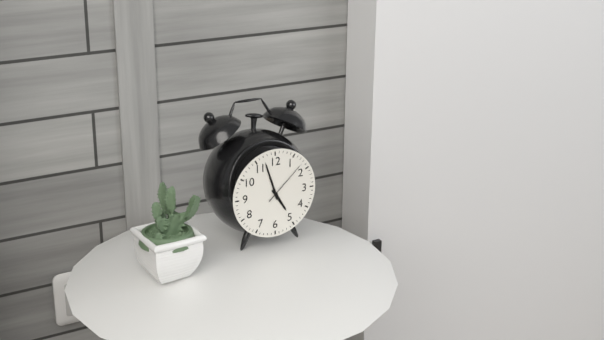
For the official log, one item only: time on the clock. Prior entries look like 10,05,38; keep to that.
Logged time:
4,57,08
